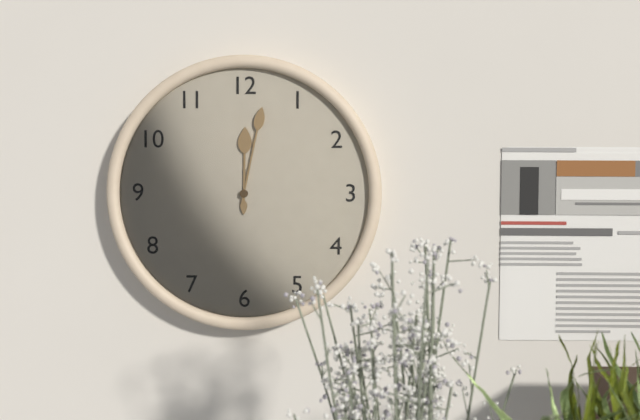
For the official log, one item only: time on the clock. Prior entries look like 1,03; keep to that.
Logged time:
12,02
